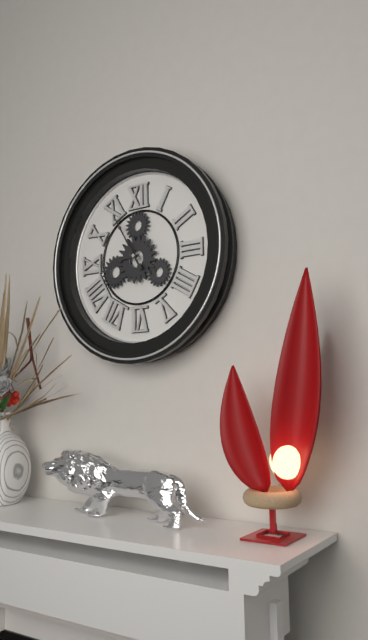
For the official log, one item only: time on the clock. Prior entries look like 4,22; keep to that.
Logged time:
8,55
